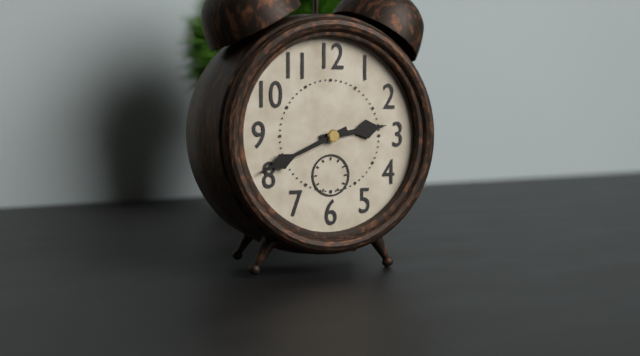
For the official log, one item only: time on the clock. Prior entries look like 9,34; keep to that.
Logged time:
2,41
